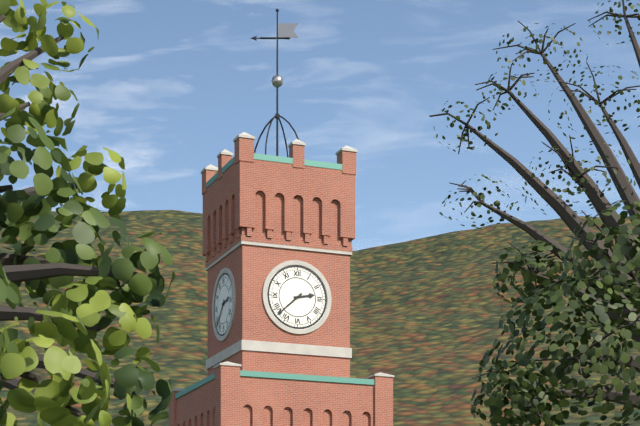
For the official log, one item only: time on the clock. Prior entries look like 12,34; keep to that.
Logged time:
2,38
